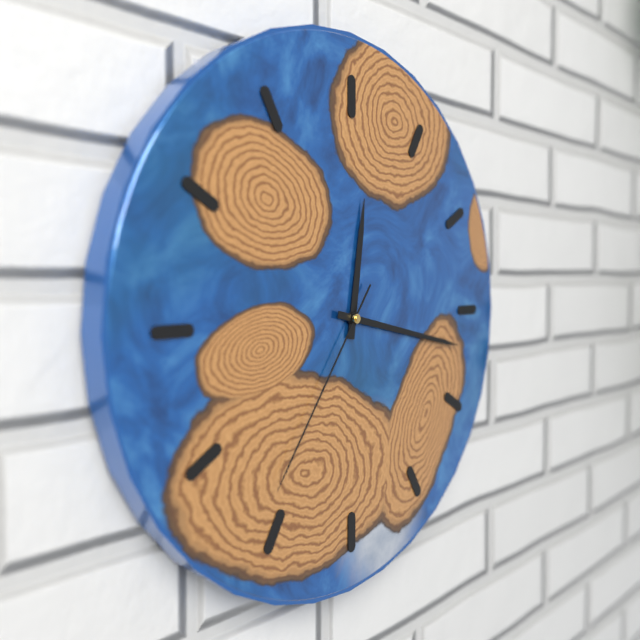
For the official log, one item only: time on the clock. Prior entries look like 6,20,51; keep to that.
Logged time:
12,17,36
